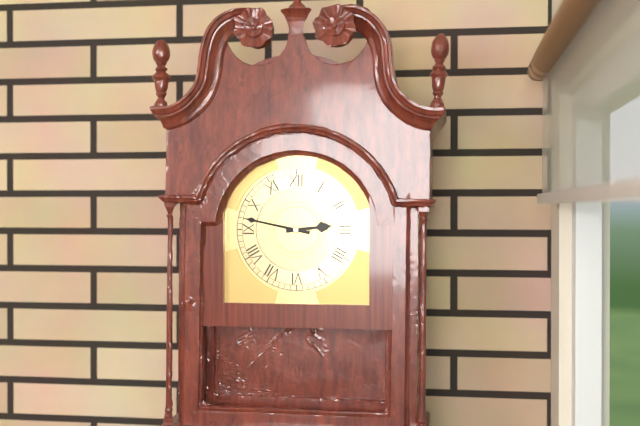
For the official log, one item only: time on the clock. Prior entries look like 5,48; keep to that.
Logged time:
2,47
